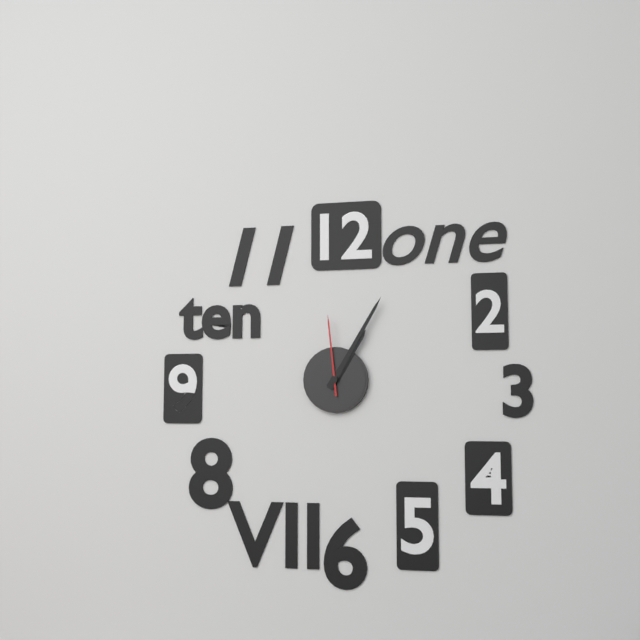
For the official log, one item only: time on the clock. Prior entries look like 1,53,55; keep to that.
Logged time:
1,05,59
